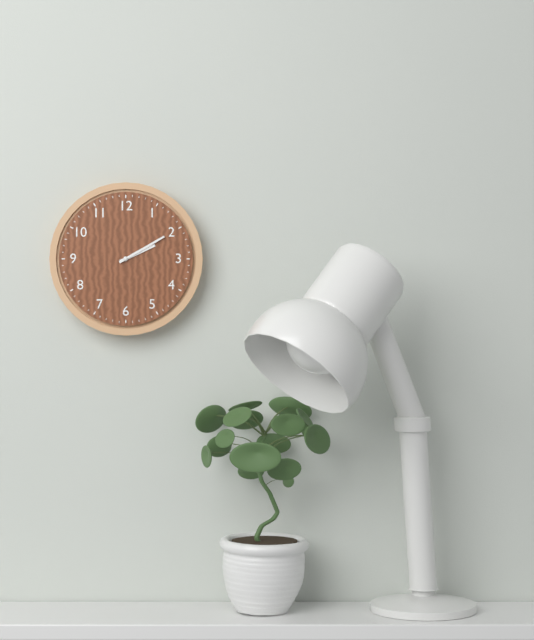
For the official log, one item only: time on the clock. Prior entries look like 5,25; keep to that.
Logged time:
2,10
